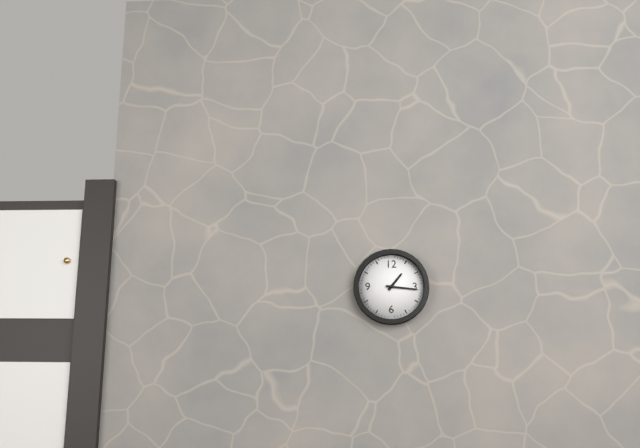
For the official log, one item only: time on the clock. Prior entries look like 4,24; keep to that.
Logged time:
1,16
